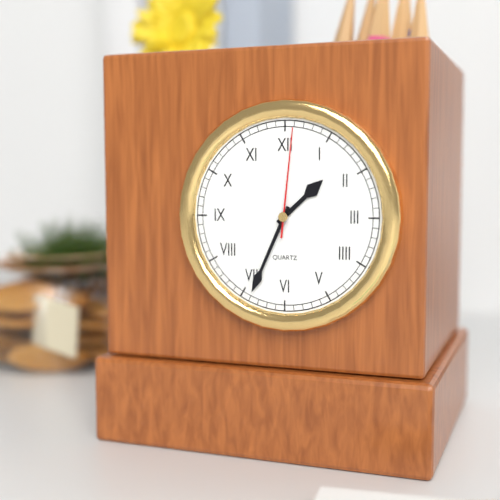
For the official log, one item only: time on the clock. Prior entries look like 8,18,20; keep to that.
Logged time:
1,34,01
